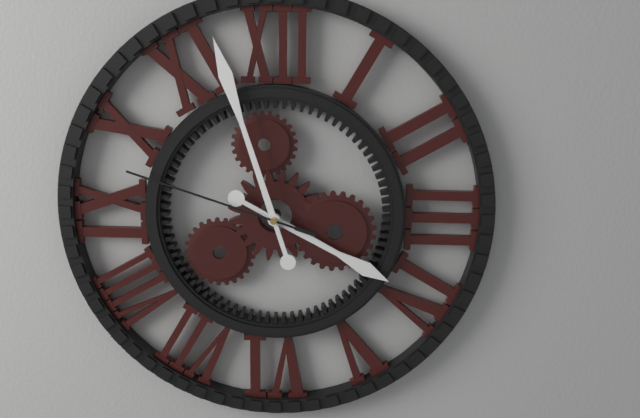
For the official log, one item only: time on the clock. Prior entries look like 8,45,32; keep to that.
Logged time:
3,57,48
